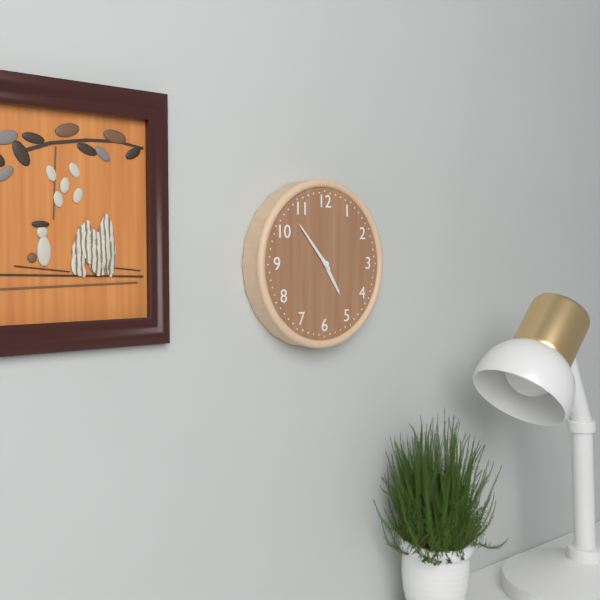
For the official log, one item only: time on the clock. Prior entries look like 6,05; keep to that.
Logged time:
4,53
